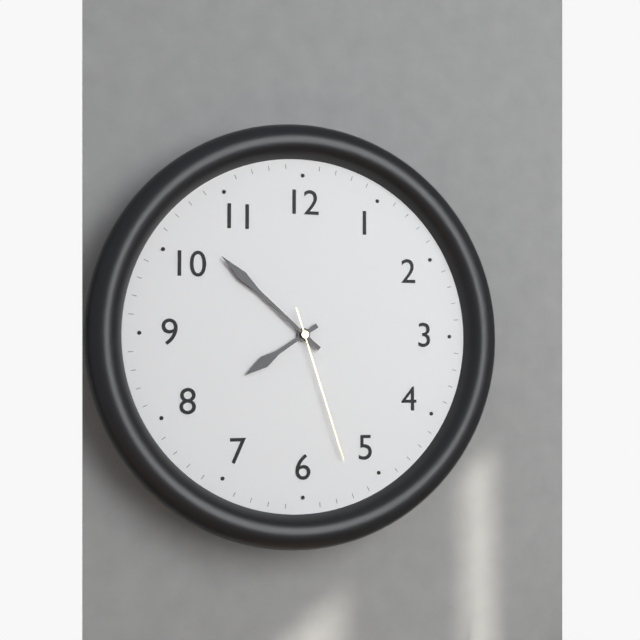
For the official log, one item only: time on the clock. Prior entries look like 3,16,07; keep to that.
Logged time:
7,52,27
